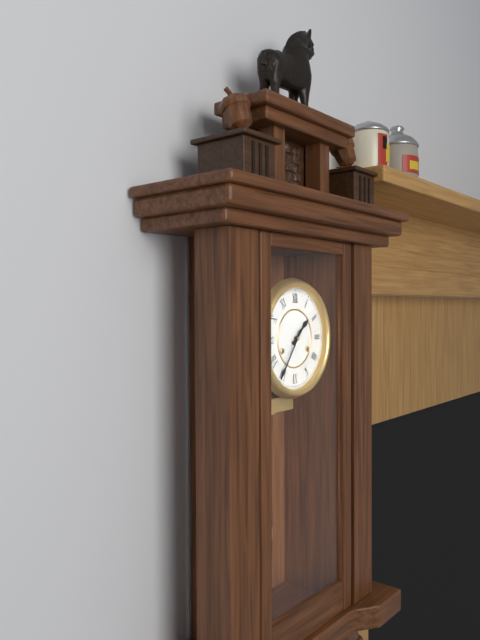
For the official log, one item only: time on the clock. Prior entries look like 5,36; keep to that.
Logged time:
1,36
